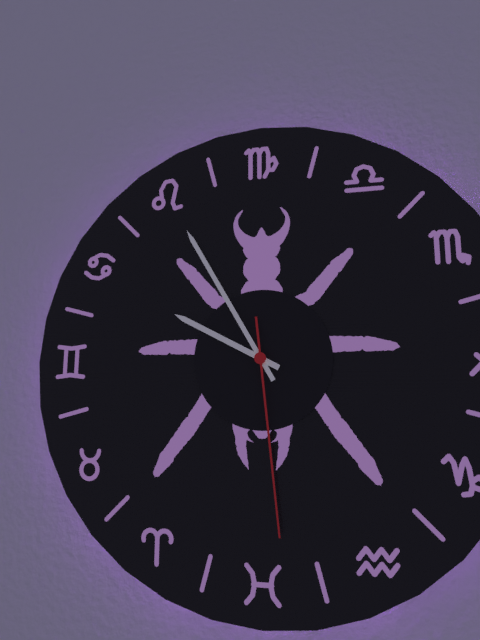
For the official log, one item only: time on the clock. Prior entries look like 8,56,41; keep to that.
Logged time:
9,55,29
